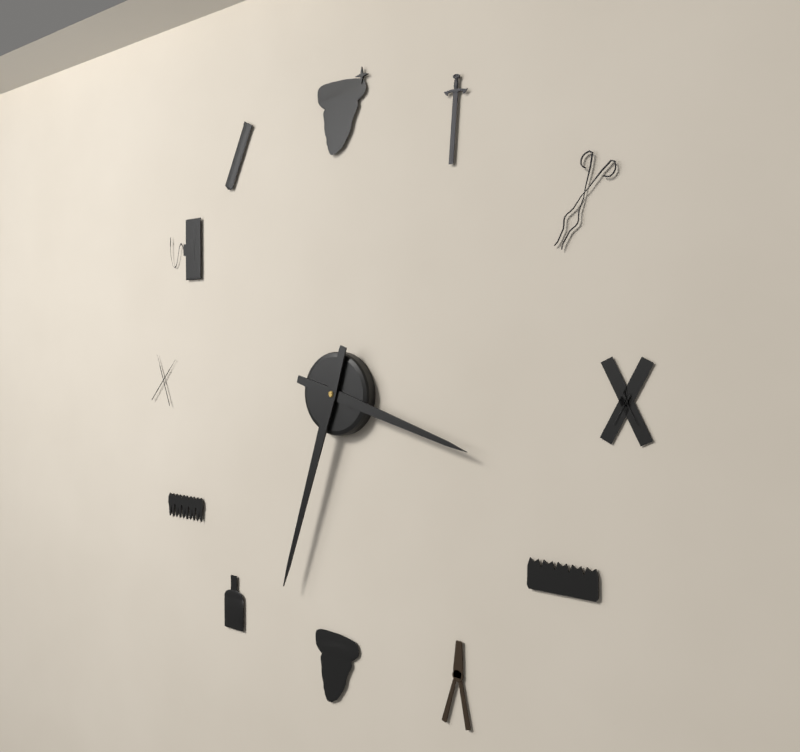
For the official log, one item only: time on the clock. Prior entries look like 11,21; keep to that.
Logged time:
3,33
